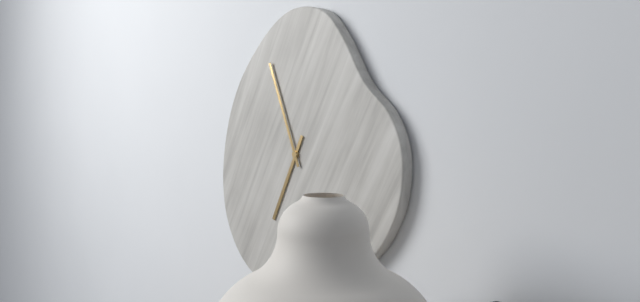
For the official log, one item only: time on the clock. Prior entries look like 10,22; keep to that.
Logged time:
6,56
